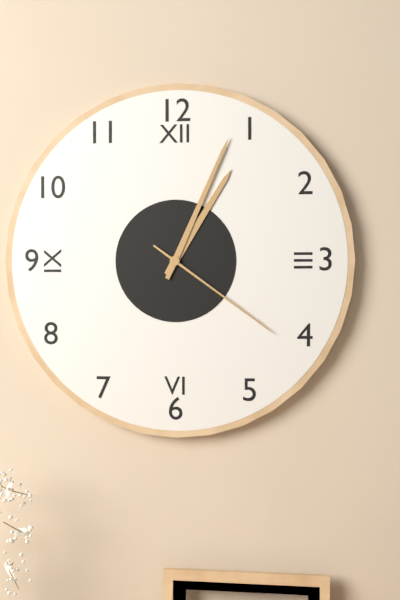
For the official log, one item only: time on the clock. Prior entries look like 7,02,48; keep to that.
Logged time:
1,04,21
